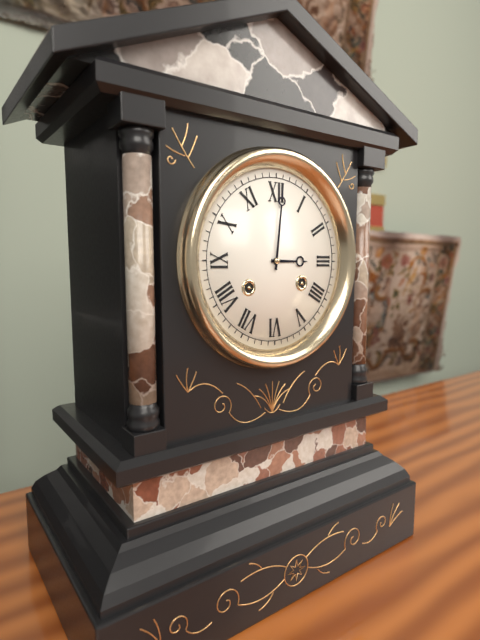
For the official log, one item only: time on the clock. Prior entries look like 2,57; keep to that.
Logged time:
3,01
